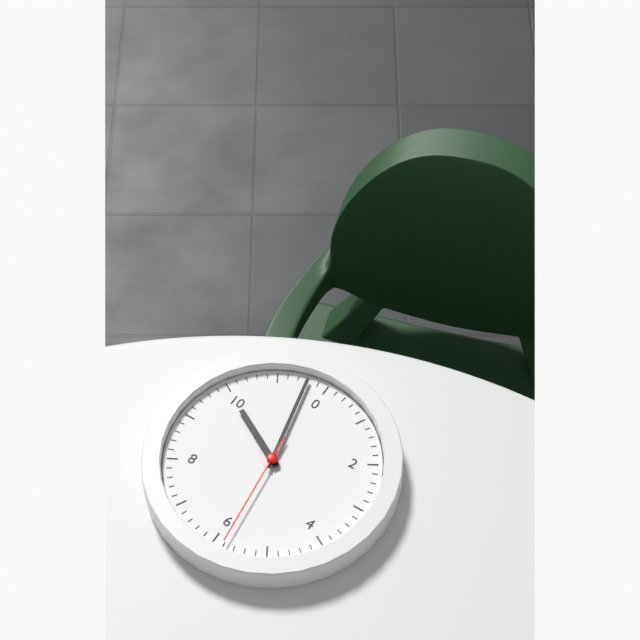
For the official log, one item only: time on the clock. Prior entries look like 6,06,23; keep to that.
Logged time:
9,58,29
